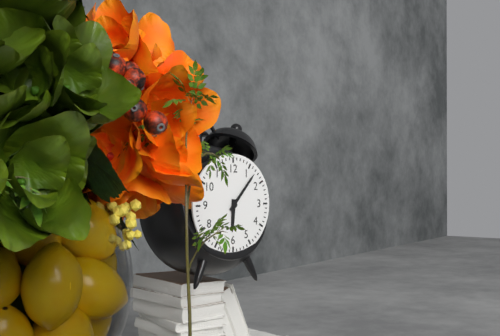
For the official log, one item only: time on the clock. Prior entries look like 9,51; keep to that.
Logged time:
6,07
